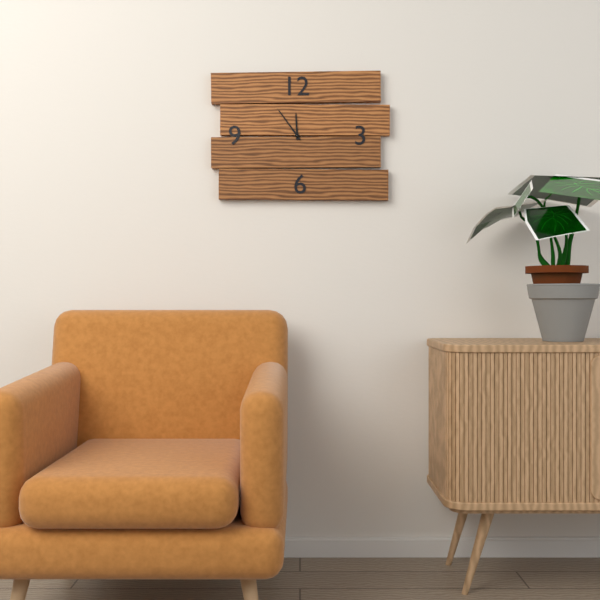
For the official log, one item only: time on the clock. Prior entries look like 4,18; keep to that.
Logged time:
11,54
